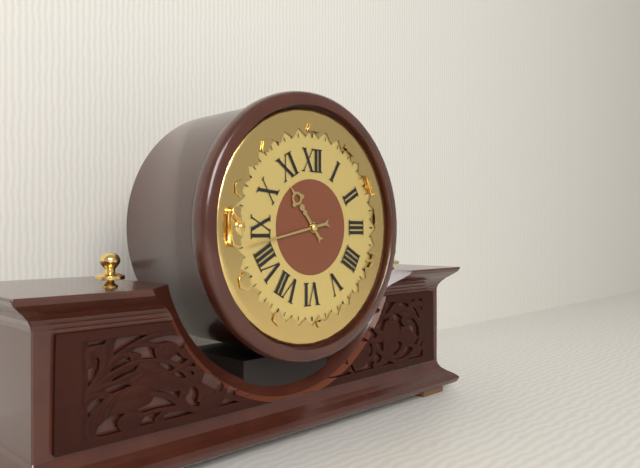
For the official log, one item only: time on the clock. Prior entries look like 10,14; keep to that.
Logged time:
10,43
